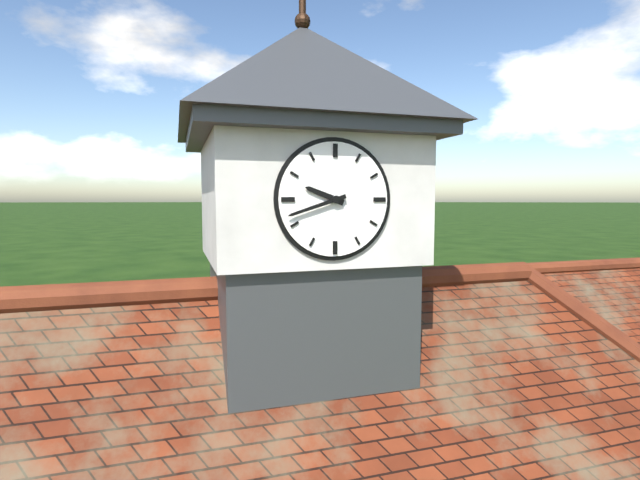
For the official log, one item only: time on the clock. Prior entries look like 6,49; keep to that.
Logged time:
9,42
